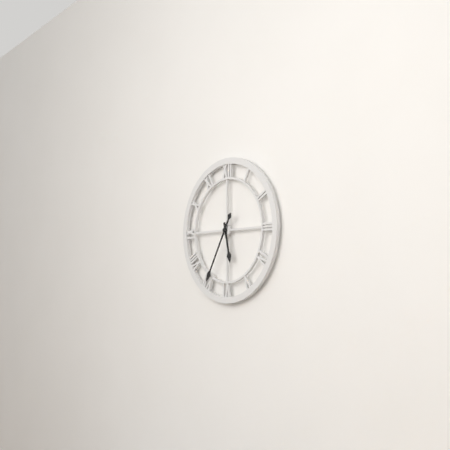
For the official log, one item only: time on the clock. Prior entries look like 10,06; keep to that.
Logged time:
5,35
